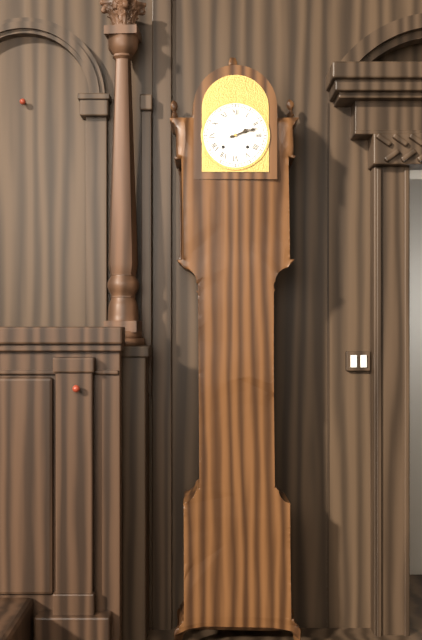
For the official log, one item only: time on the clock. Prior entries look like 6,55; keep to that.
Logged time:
2,12
